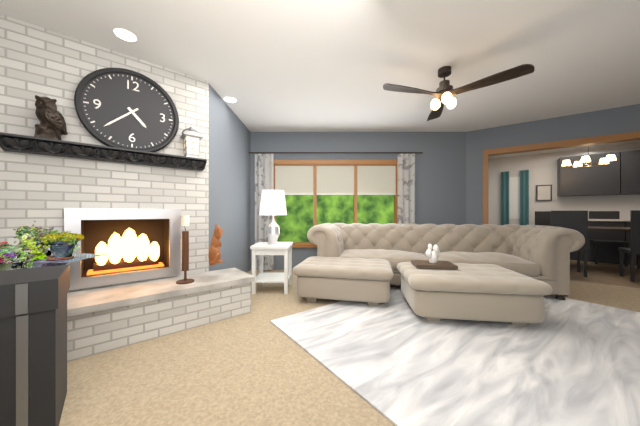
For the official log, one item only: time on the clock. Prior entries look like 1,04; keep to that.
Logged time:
4,38
